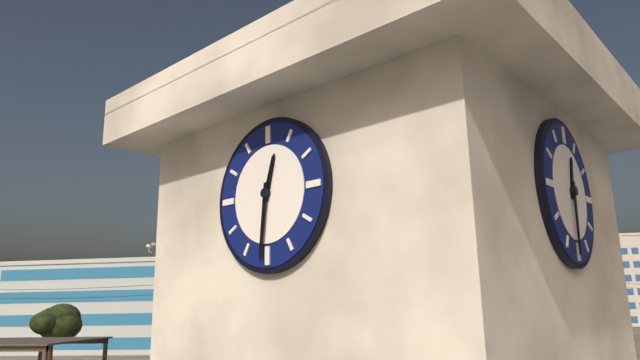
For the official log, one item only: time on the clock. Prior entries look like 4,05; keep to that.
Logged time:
12,31
